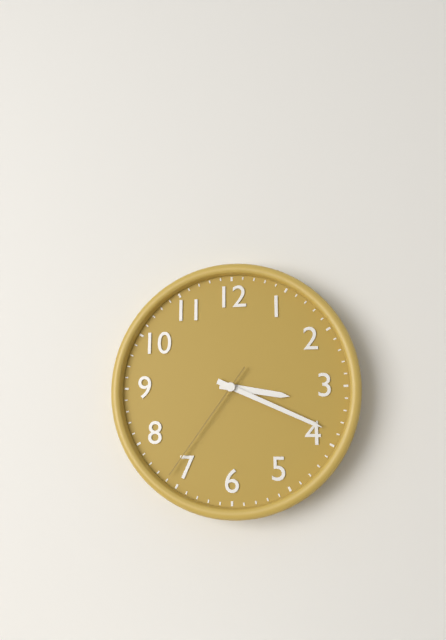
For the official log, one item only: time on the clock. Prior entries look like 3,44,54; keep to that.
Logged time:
3,19,36
